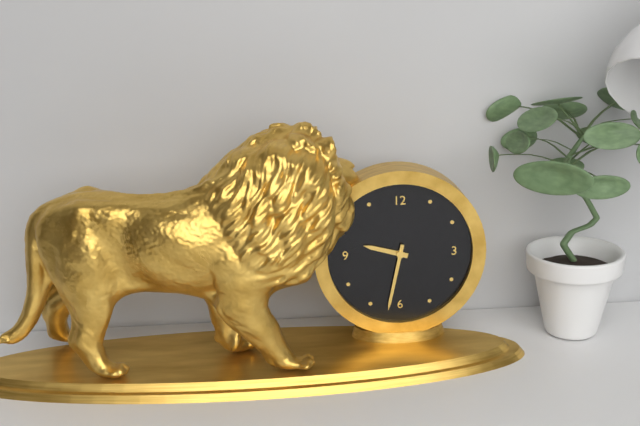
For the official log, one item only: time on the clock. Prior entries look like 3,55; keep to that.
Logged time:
9,32
